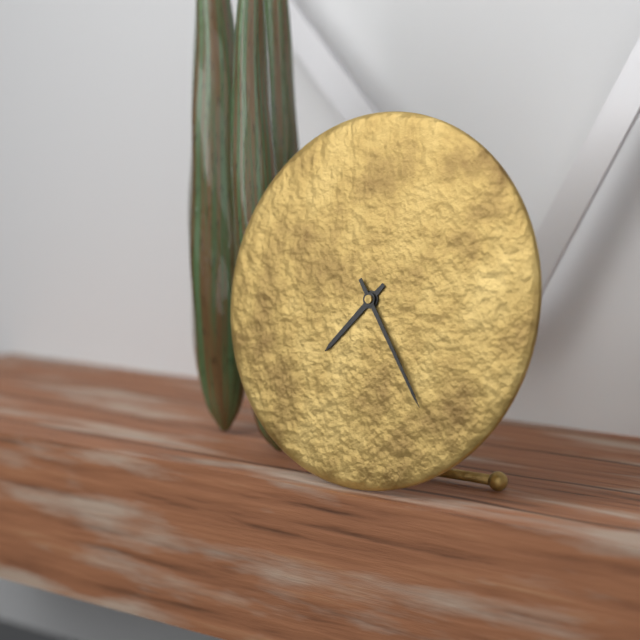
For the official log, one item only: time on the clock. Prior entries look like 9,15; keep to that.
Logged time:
7,24
